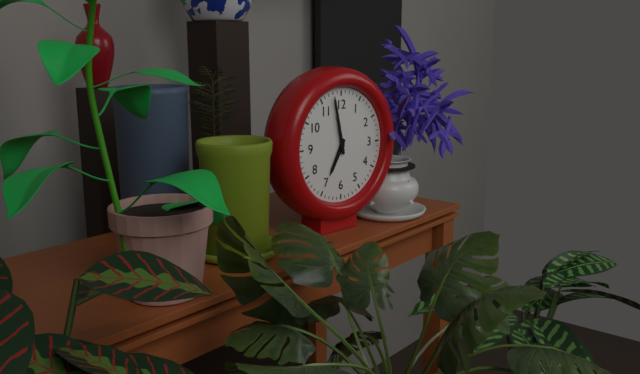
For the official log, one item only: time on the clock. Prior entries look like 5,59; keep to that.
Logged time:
6,58
